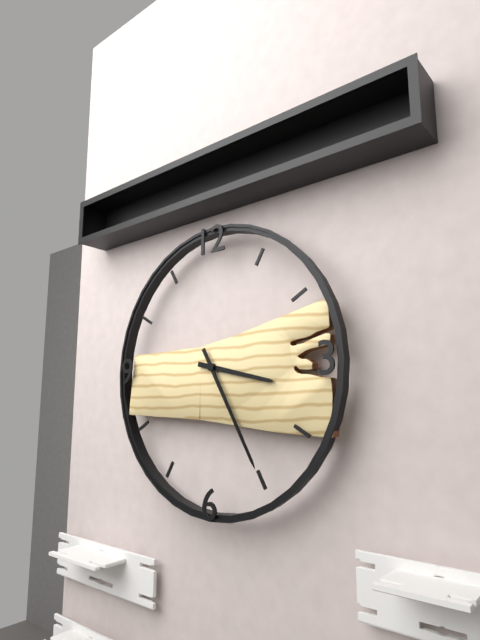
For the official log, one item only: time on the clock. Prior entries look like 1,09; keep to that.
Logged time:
3,25
